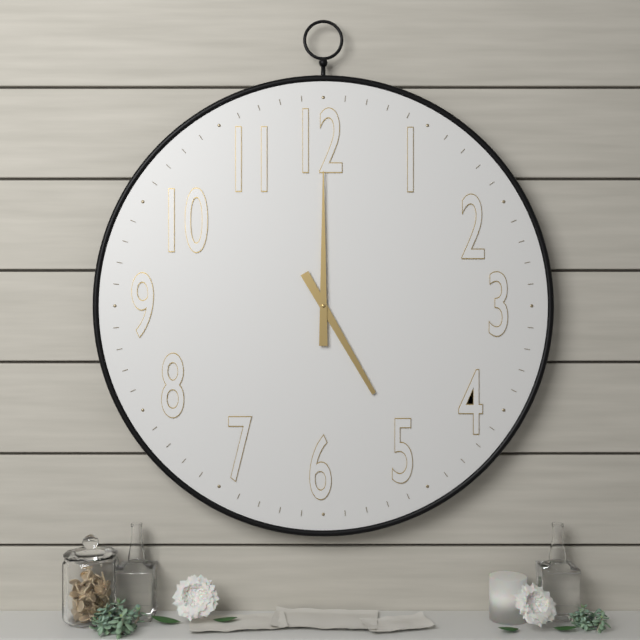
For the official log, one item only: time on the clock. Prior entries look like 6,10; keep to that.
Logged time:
5,00
